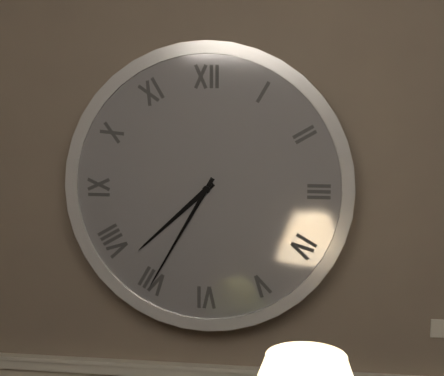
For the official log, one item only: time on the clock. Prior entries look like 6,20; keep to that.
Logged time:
7,35
